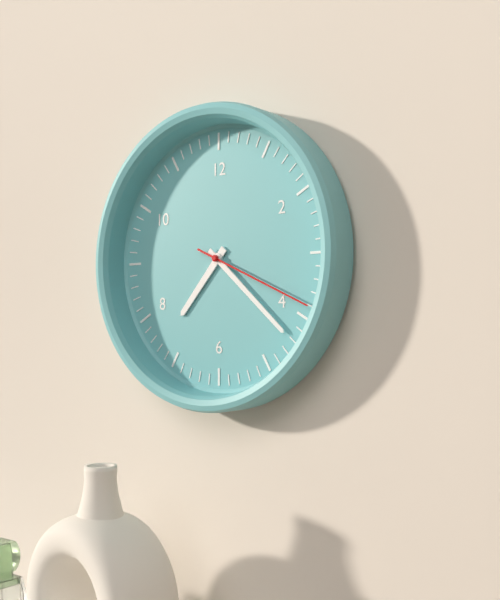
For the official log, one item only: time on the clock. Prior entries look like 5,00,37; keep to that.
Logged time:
7,22,19
